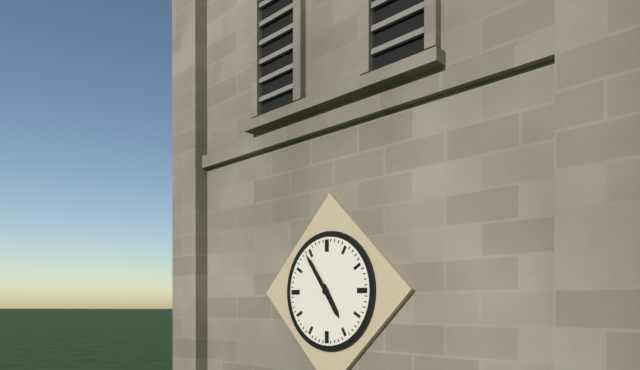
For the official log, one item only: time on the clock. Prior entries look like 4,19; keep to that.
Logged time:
4,54
